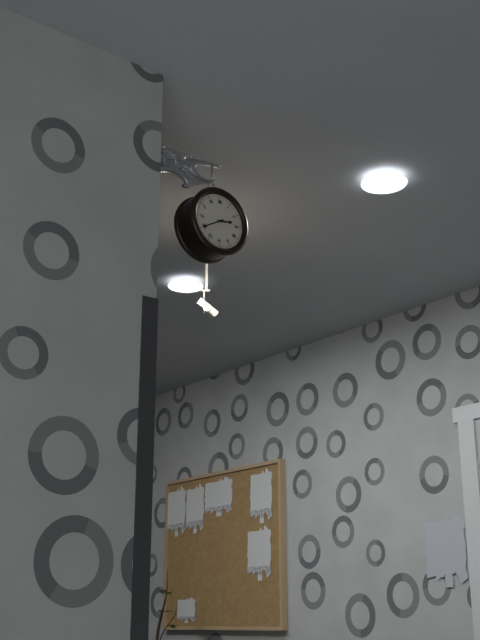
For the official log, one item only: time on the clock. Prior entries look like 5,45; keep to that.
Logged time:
2,40
